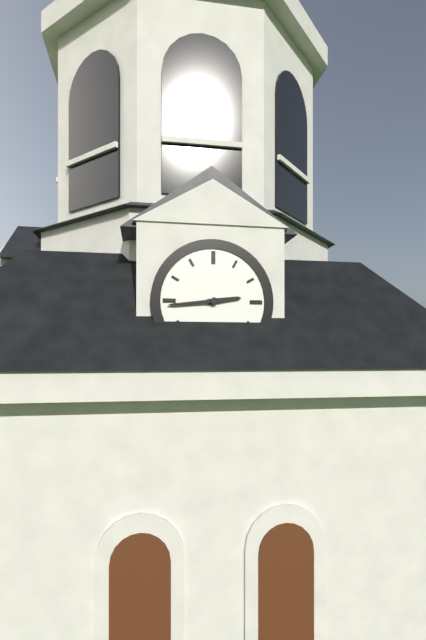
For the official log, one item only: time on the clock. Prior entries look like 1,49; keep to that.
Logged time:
2,44
